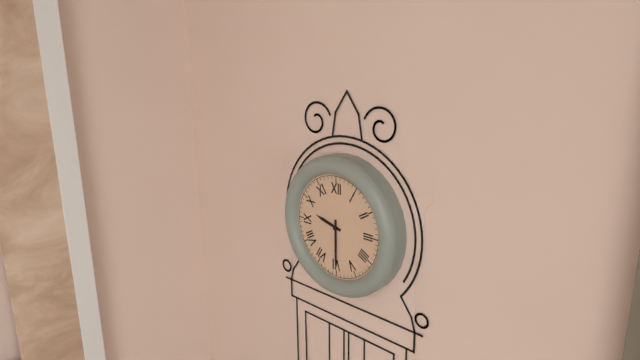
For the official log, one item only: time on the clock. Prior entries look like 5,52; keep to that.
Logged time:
9,30
